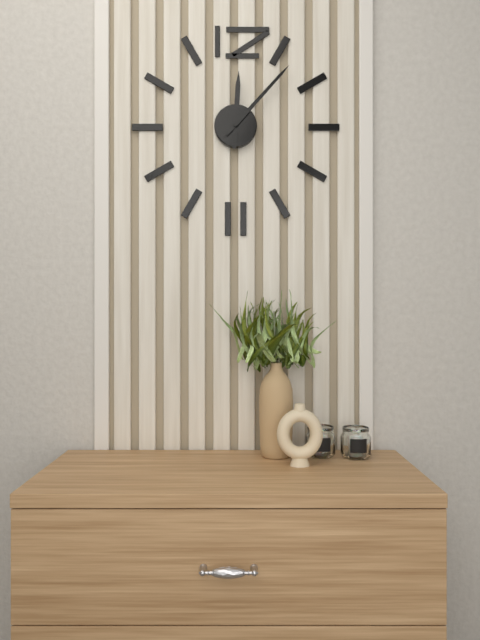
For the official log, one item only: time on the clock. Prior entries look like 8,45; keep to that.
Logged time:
12,07
